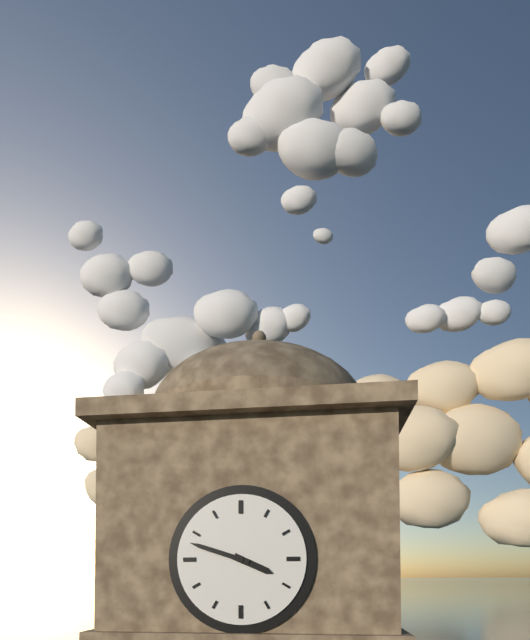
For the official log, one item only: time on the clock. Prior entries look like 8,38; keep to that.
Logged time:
3,48
